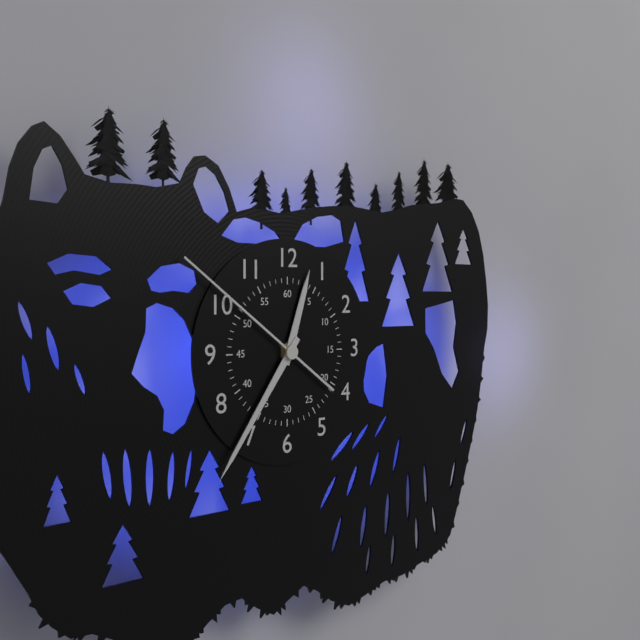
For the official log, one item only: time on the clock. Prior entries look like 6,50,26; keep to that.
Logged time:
12,36,51
